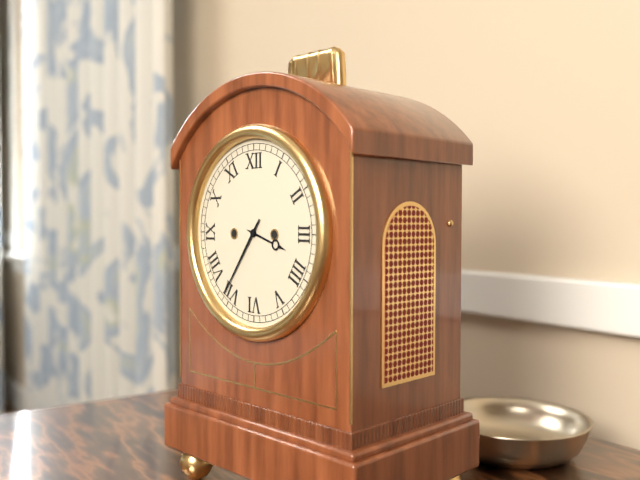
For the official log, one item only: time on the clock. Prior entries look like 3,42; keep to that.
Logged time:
3,36
